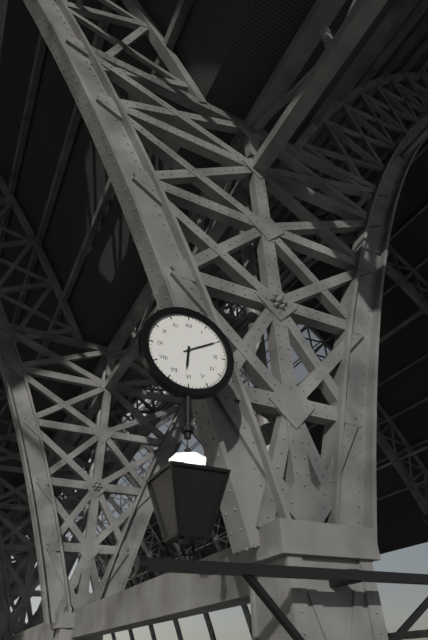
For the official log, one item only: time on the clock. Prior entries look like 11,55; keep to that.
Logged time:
6,10
